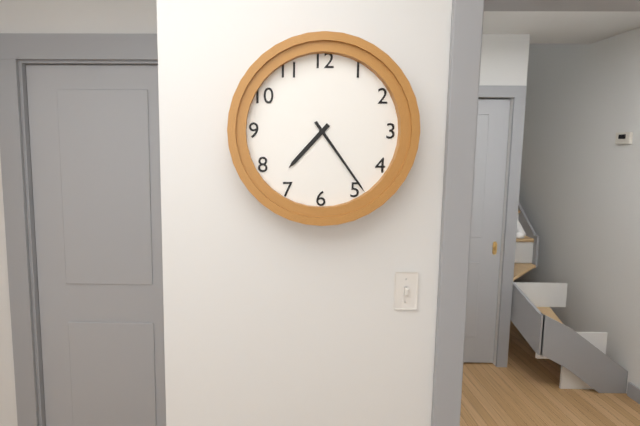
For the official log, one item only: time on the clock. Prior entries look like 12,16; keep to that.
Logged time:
7,24
